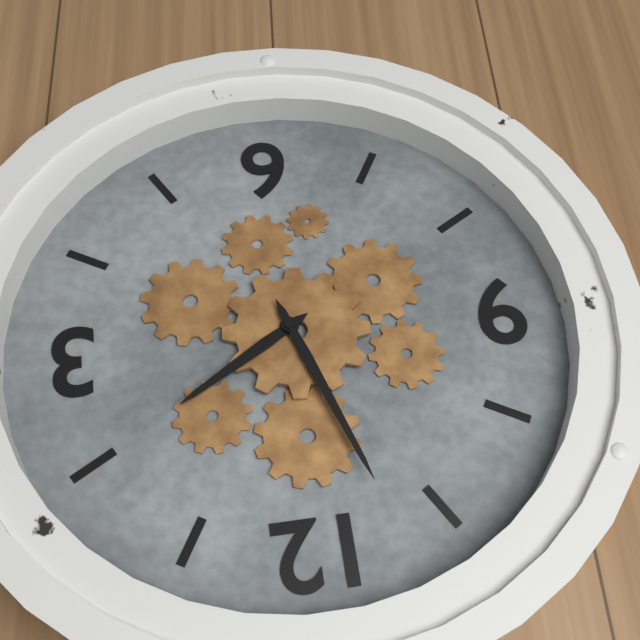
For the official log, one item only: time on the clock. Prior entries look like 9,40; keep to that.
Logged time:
1,57
